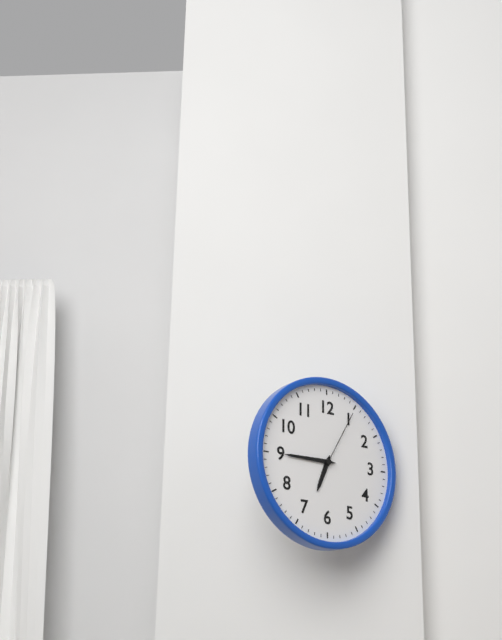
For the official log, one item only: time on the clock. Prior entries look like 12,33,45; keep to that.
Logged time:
6,45,05
